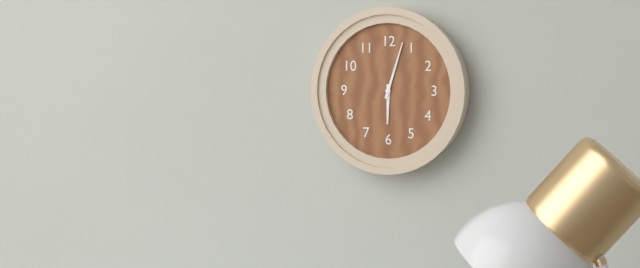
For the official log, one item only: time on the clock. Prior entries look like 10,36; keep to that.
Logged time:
6,03
